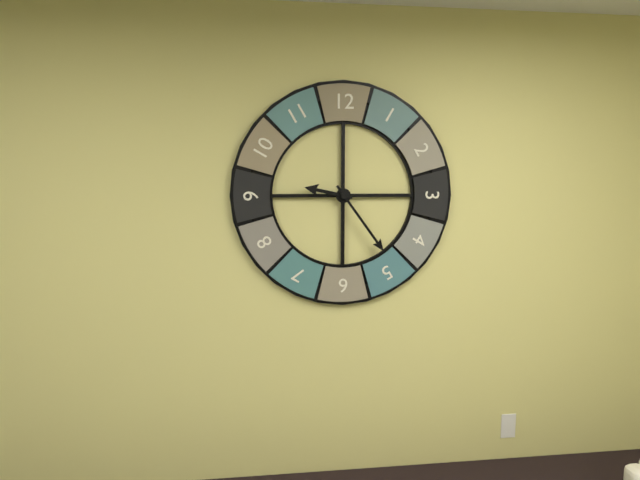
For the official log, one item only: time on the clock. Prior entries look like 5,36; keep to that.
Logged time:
9,24
